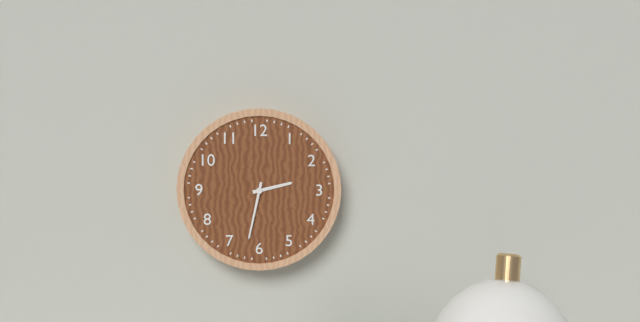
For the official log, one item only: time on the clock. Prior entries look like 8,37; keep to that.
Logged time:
2,32
